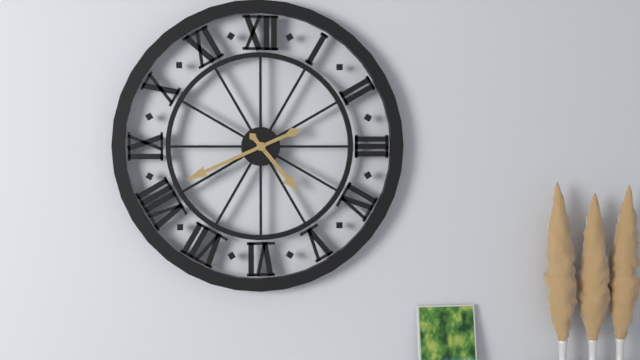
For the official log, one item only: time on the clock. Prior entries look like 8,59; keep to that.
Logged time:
4,41
